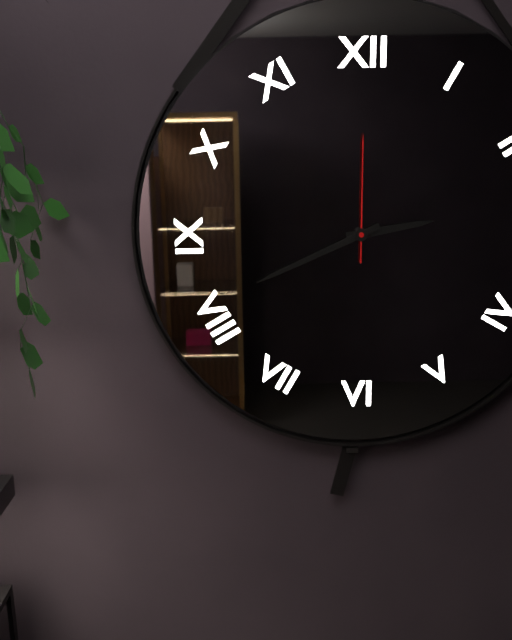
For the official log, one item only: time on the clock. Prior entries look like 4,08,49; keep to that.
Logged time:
2,41,00
